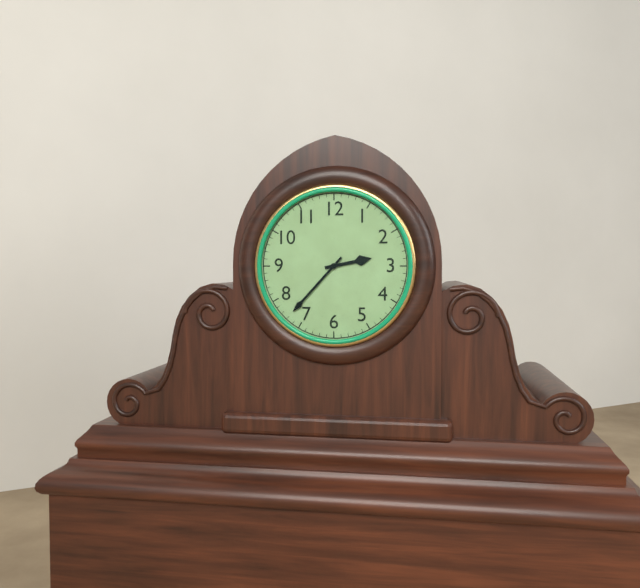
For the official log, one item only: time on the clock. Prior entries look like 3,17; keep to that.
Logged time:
2,37
